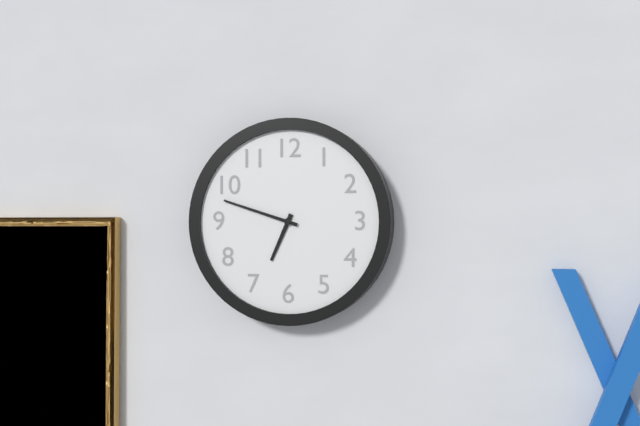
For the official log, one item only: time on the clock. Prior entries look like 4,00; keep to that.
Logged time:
6,48
